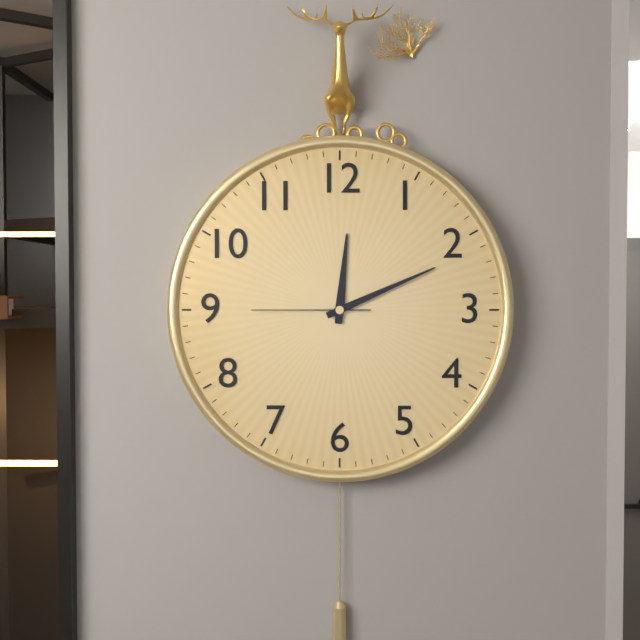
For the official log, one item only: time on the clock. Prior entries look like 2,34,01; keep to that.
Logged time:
12,11,45
